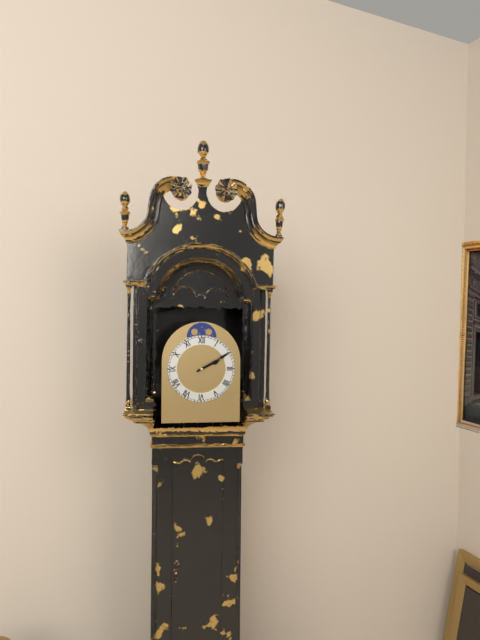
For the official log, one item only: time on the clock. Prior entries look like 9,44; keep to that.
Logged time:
2,10
